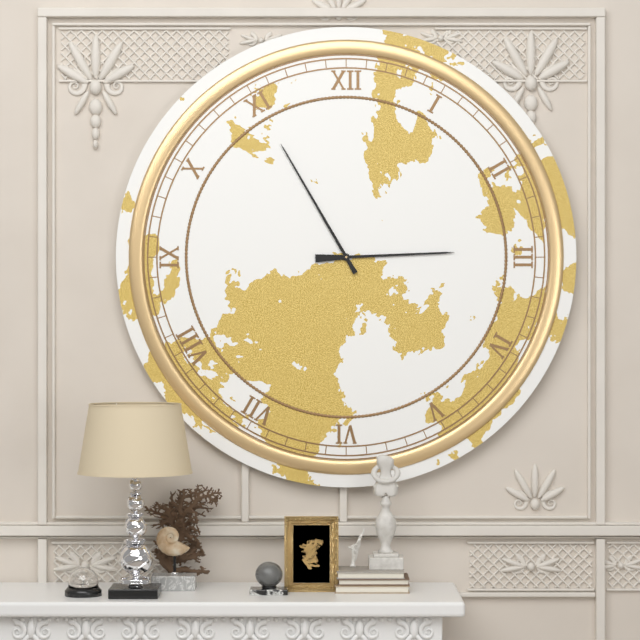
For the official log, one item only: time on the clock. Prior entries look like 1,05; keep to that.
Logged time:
2,55
